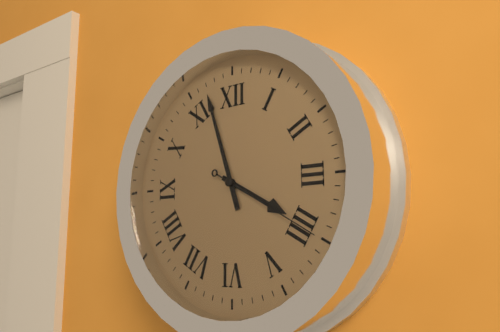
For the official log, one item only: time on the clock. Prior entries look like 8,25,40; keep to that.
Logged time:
3,57,20
